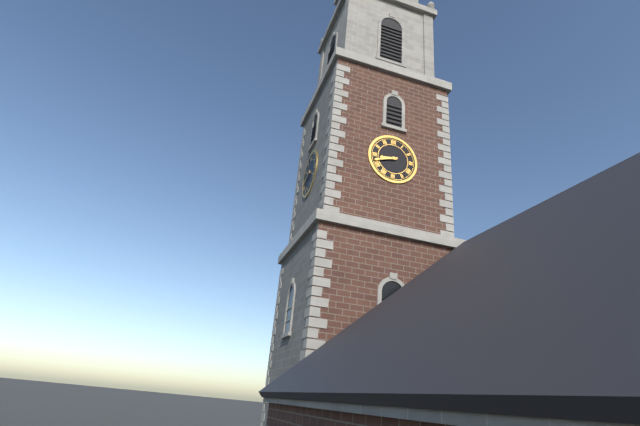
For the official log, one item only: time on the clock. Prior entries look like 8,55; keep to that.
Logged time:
8,42
